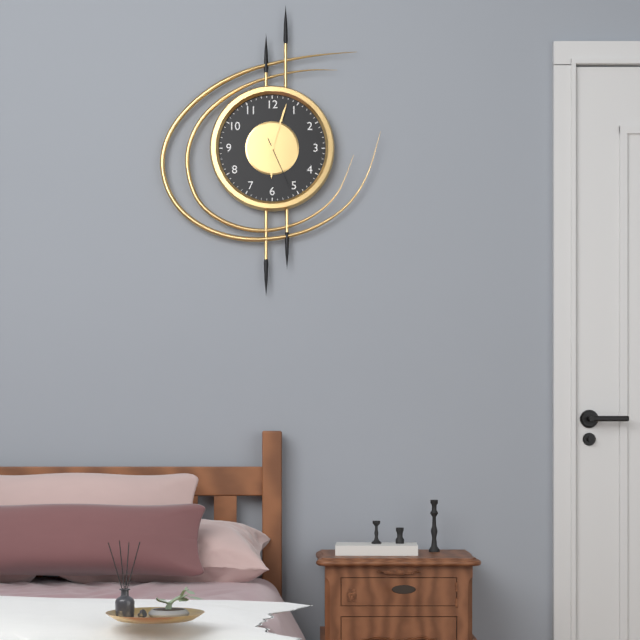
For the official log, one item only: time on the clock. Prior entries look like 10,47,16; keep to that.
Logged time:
6,03,26
